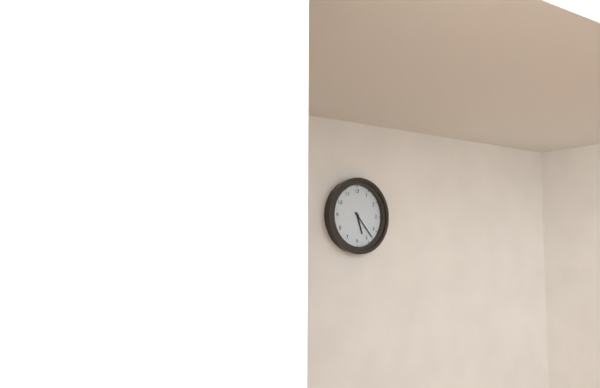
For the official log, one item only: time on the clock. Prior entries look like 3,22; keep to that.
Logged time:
5,23
